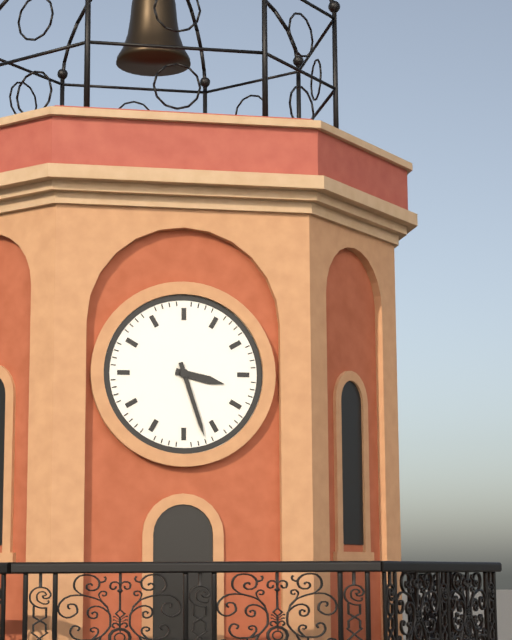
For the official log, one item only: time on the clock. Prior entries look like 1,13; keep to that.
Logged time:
3,27
